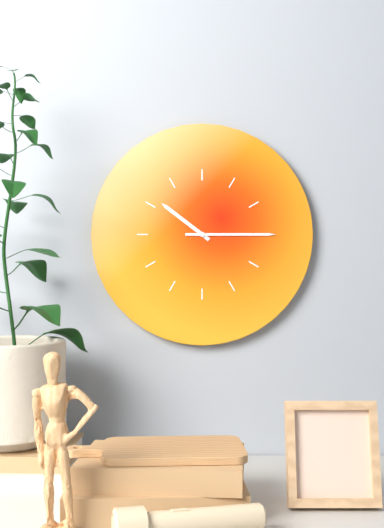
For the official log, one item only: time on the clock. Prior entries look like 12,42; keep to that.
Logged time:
10,15
